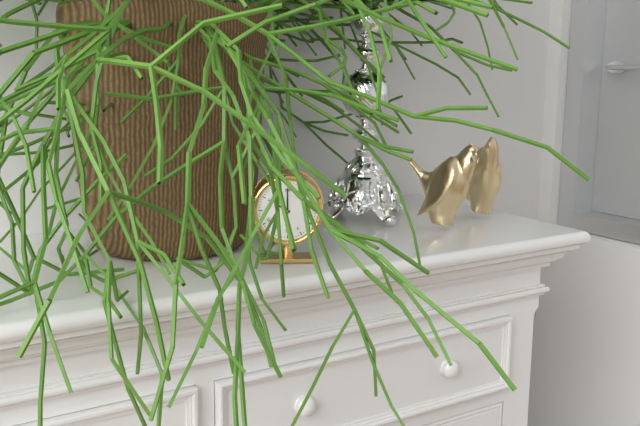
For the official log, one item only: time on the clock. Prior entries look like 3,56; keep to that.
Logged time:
10,00
